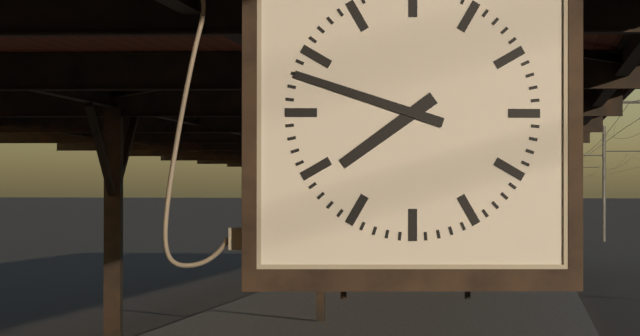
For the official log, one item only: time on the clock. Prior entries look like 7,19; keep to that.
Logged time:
7,48
